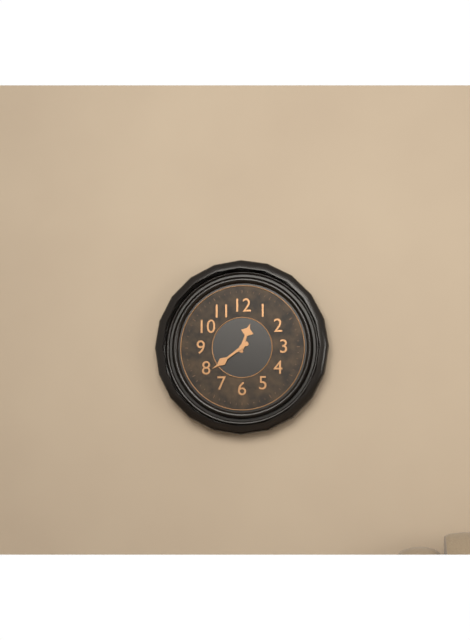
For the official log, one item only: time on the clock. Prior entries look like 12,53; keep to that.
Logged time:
12,39
